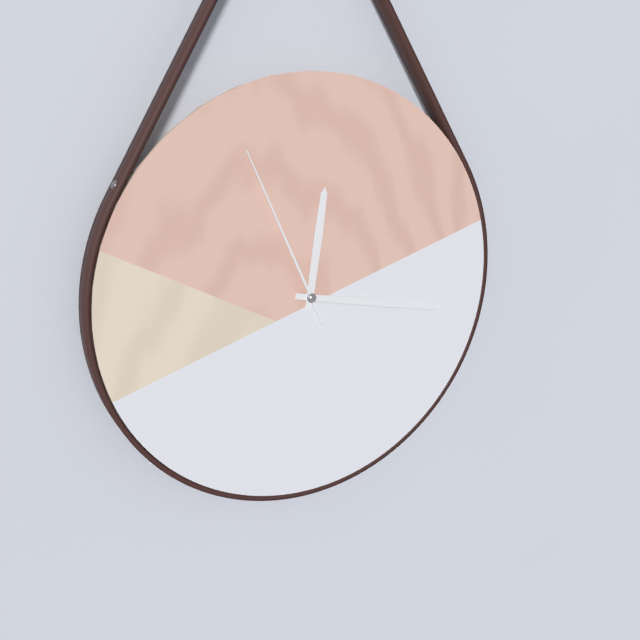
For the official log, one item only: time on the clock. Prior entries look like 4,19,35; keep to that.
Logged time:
12,17,56
